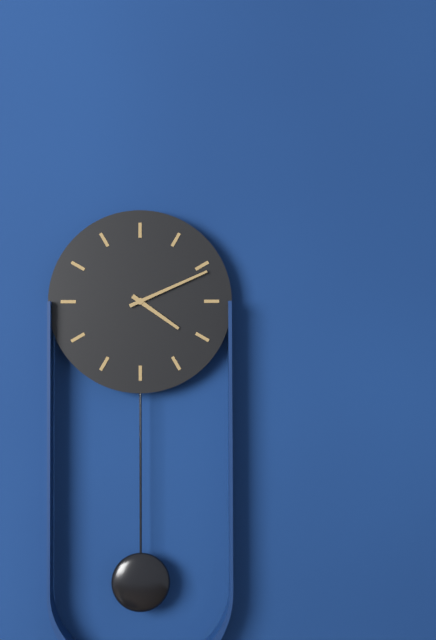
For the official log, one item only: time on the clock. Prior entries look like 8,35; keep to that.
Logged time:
4,11
